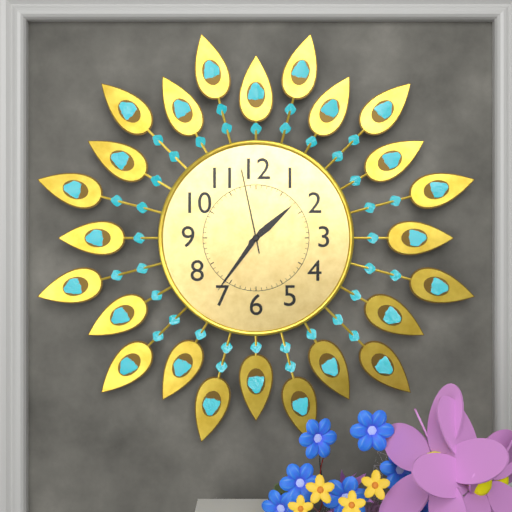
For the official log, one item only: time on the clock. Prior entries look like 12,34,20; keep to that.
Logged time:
1,36,58
